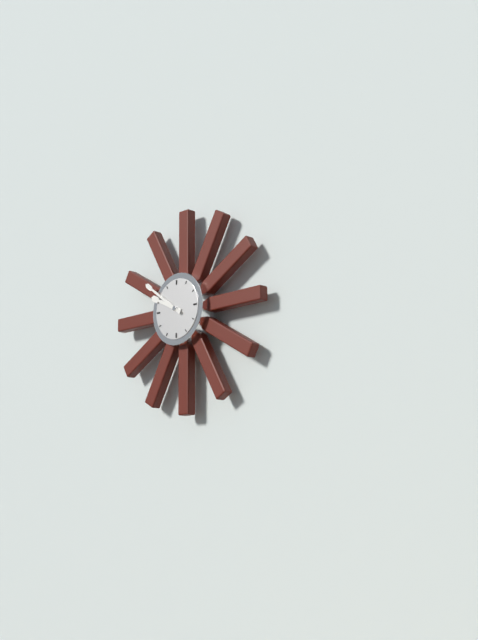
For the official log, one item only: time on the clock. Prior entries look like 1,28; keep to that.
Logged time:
9,51
